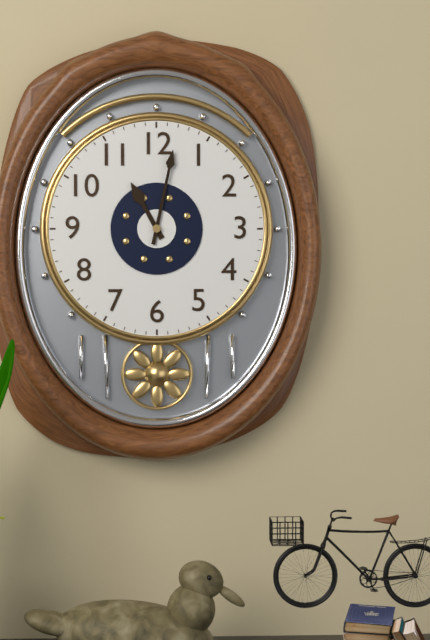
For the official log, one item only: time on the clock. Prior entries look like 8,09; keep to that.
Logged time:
11,02
